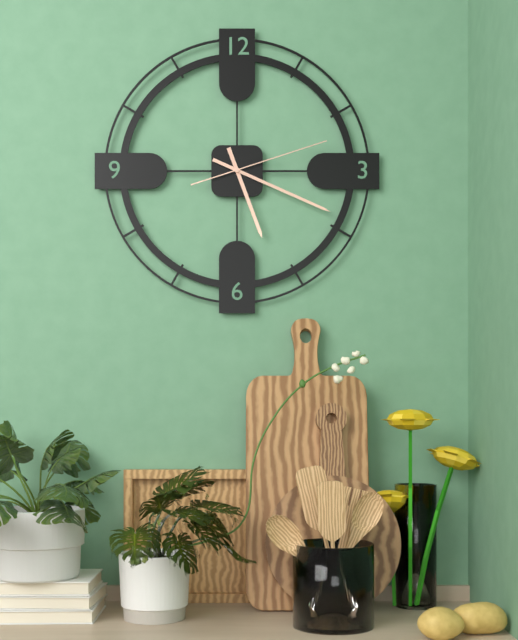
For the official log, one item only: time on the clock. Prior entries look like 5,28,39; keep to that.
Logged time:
5,19,12
